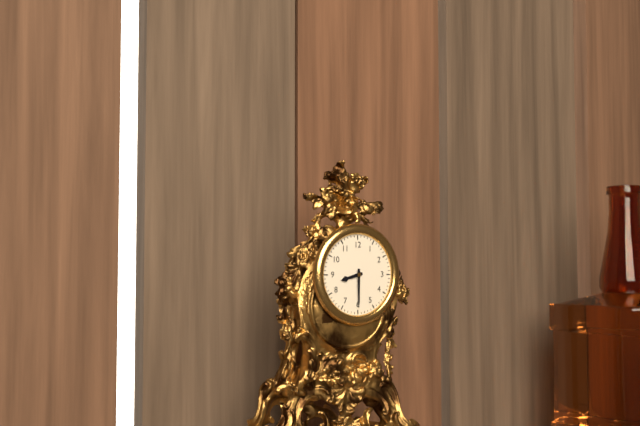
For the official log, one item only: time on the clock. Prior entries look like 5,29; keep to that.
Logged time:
8,30
